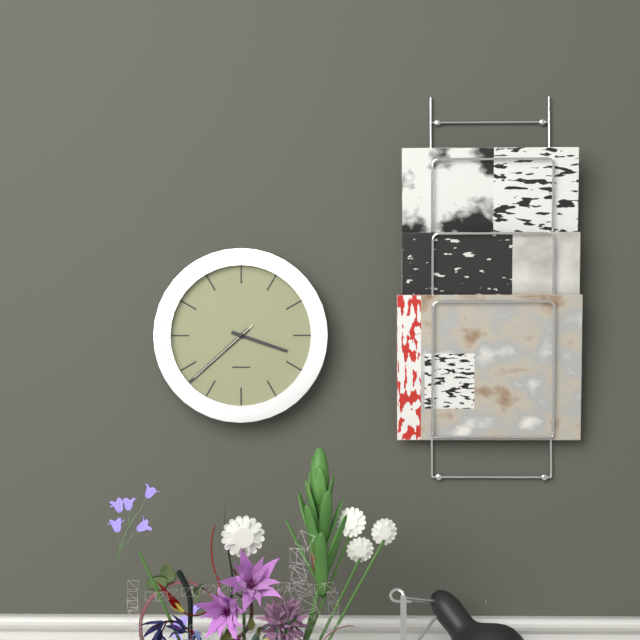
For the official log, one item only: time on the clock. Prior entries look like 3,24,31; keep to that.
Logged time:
3,38,38
